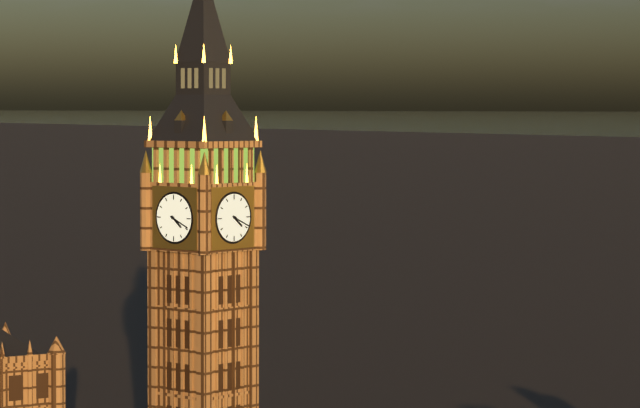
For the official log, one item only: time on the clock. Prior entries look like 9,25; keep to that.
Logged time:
4,19
